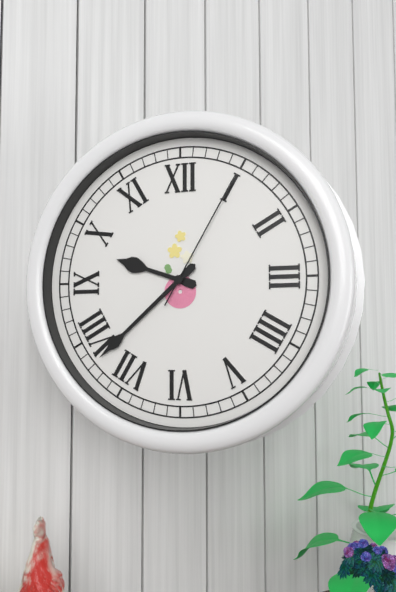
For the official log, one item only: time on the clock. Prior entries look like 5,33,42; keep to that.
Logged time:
9,38,05
